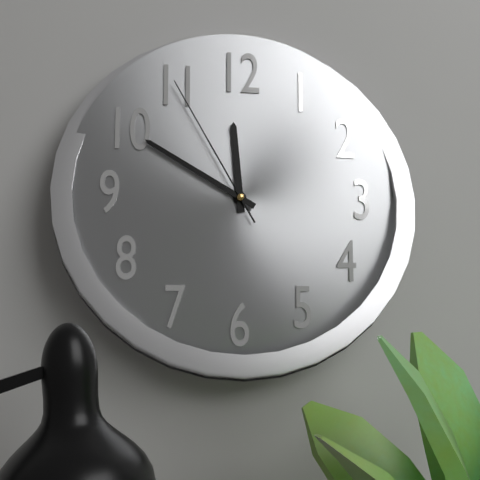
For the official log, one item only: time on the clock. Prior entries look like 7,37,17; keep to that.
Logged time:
11,50,55
